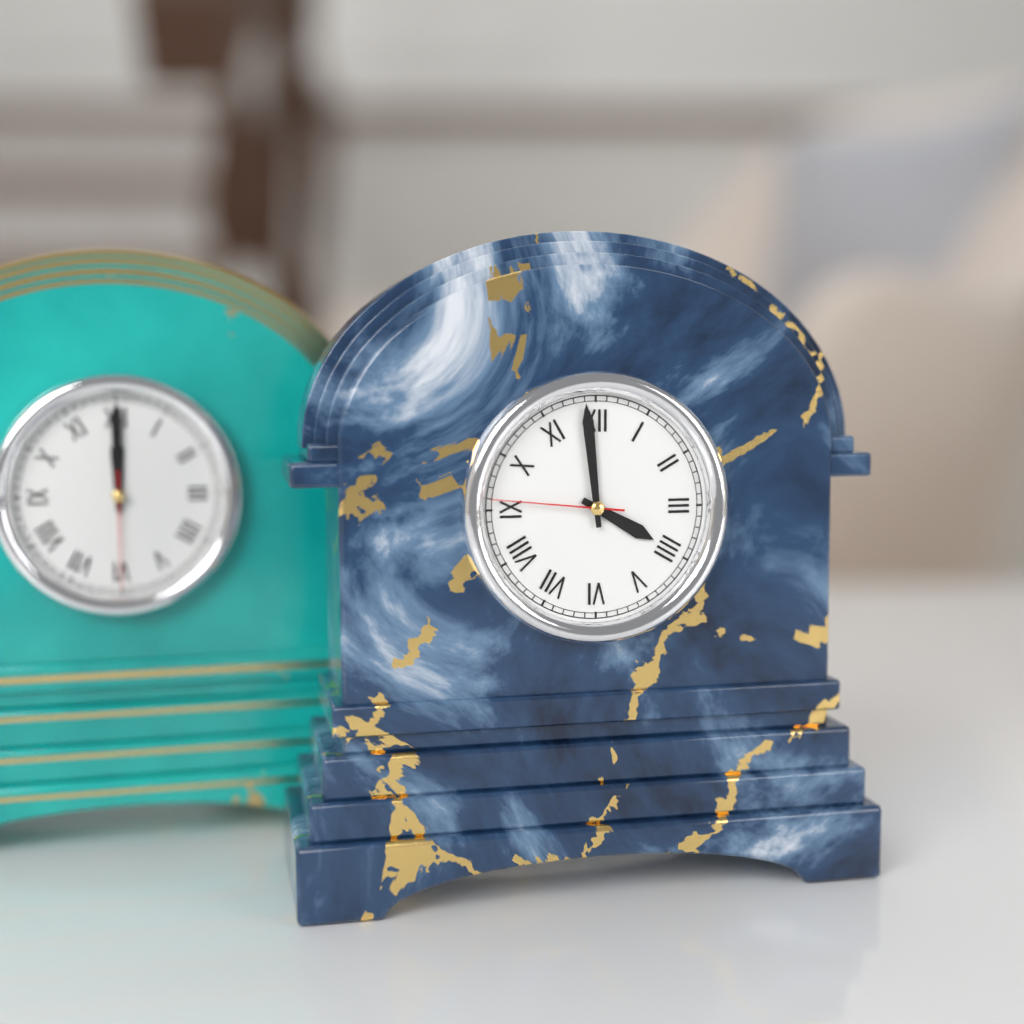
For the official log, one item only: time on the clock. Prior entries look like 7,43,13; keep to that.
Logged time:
3,59,46
